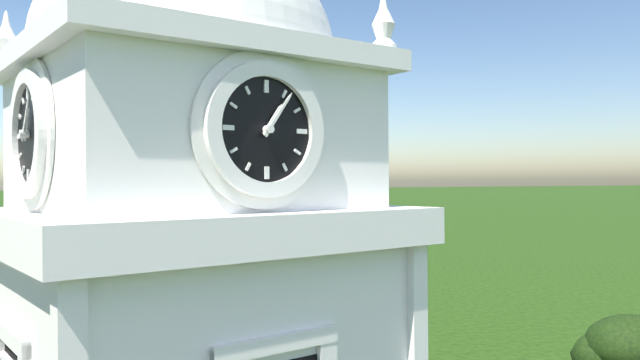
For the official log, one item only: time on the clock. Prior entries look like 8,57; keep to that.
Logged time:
1,06
